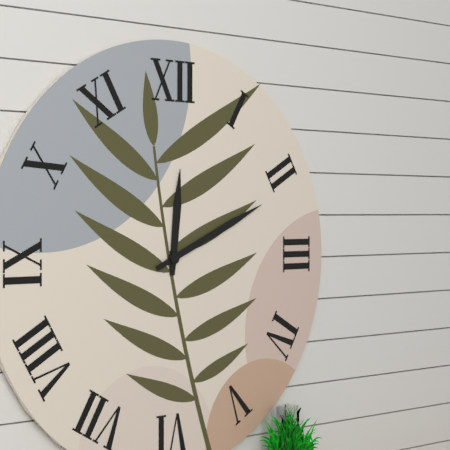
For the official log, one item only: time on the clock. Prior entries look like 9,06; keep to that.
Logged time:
12,11
